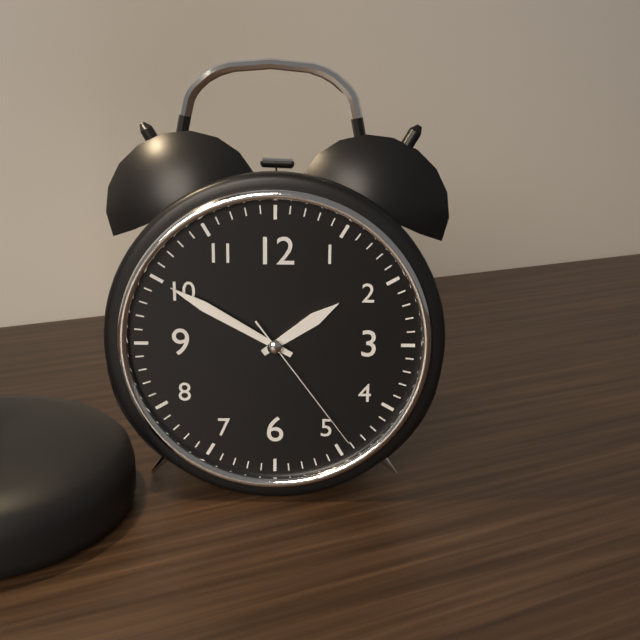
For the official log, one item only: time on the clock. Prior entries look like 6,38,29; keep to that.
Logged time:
1,50,24
